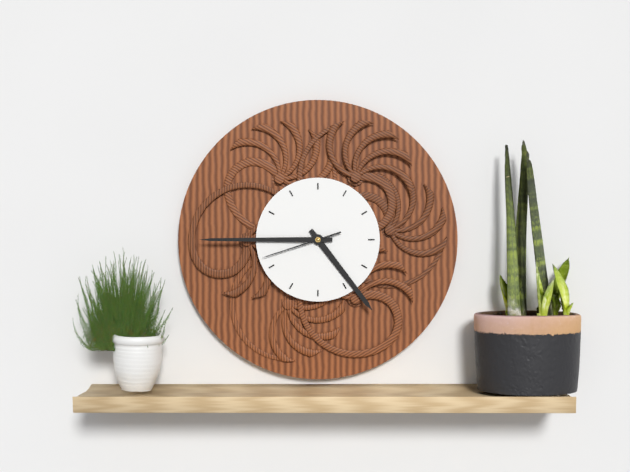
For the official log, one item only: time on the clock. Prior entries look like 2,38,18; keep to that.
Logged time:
4,45,42
